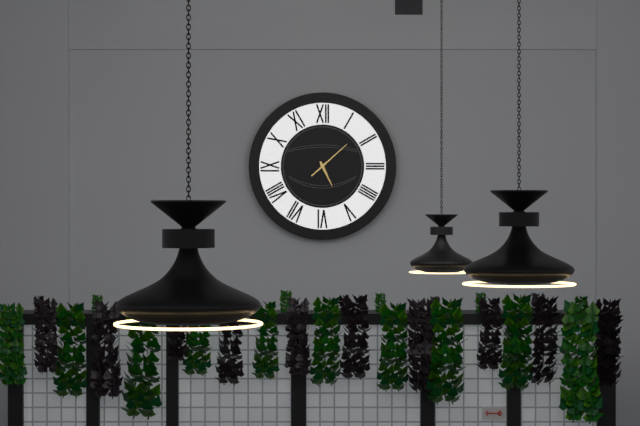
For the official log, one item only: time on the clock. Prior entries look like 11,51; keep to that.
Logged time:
5,08
